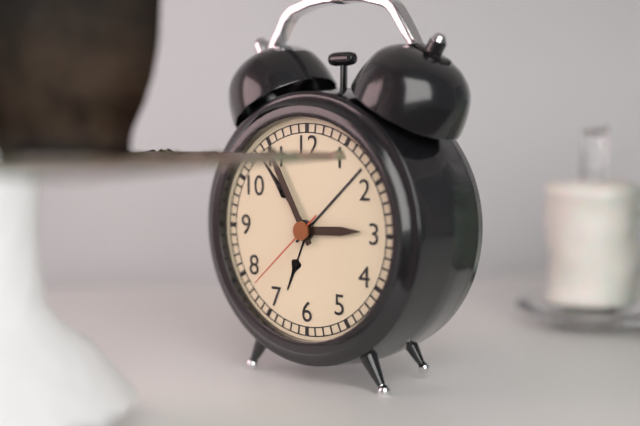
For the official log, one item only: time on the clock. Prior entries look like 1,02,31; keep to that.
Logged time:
2,55,38
